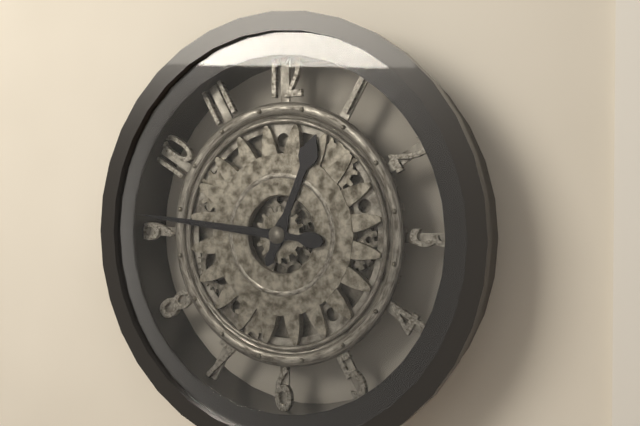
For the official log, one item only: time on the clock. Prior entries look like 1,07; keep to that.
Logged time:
12,46
